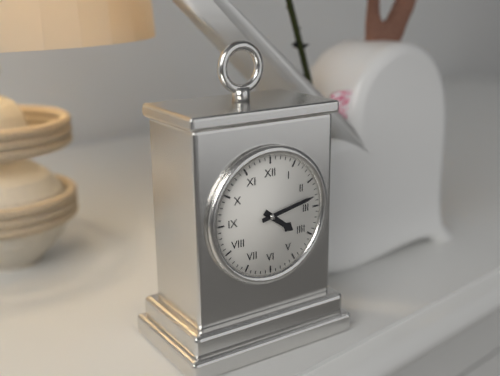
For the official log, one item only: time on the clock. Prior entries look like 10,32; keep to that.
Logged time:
4,13
